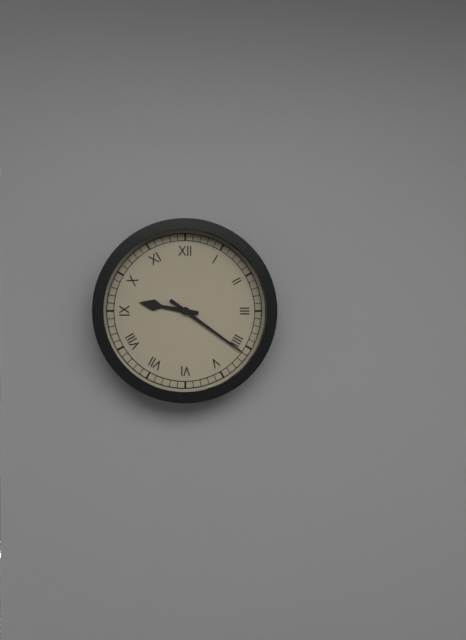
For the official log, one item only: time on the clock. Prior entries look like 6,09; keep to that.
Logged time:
9,21
